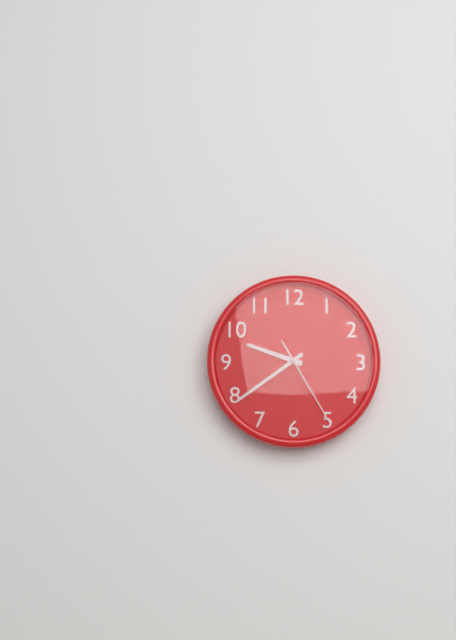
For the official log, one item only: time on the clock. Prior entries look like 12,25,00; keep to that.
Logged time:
9,39,25
